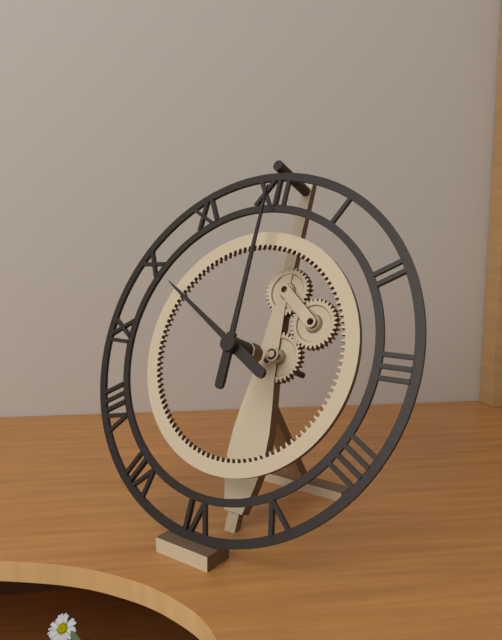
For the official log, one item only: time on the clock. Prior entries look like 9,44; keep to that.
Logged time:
10,00
